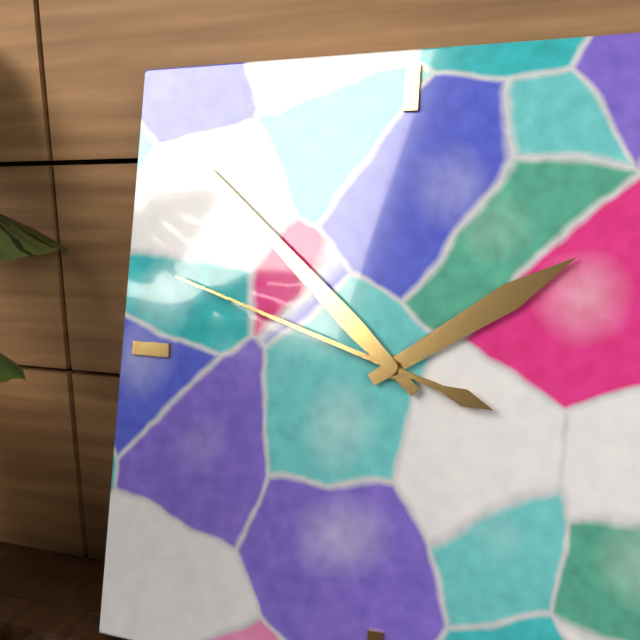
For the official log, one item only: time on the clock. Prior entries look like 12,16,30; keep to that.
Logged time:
1,52,48
